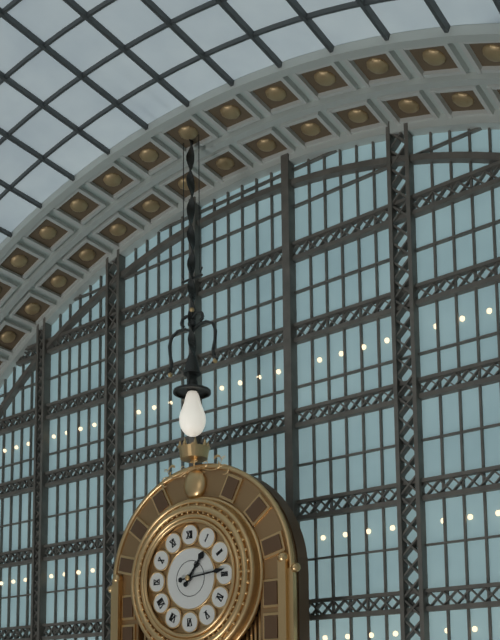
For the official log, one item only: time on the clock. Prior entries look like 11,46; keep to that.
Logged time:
1,14
